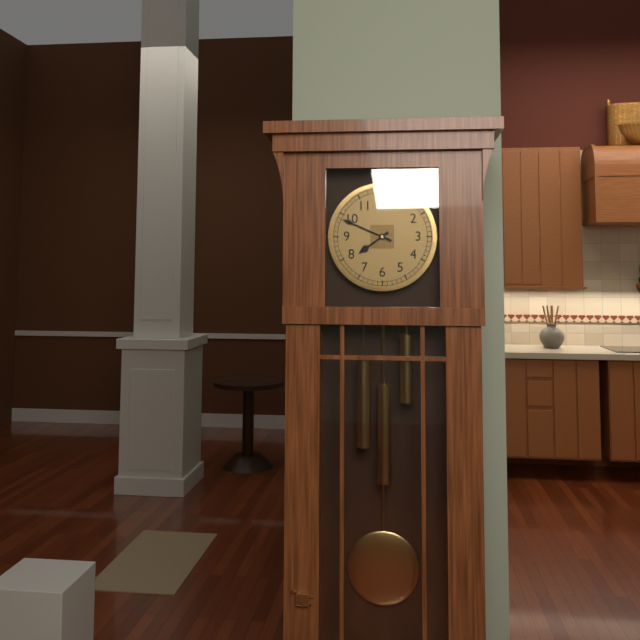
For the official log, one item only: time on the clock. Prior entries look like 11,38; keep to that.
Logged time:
7,49
